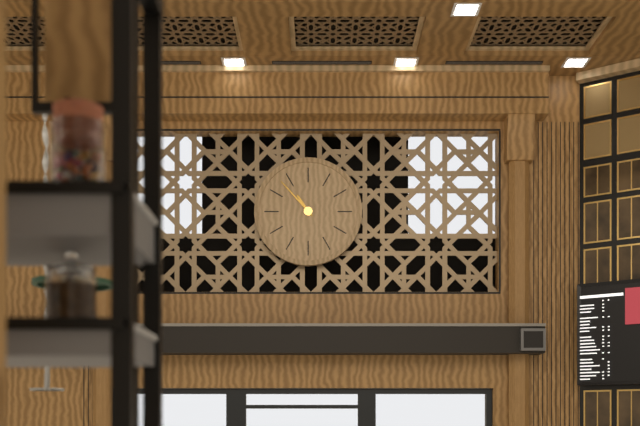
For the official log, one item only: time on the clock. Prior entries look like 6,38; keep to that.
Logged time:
10,53
